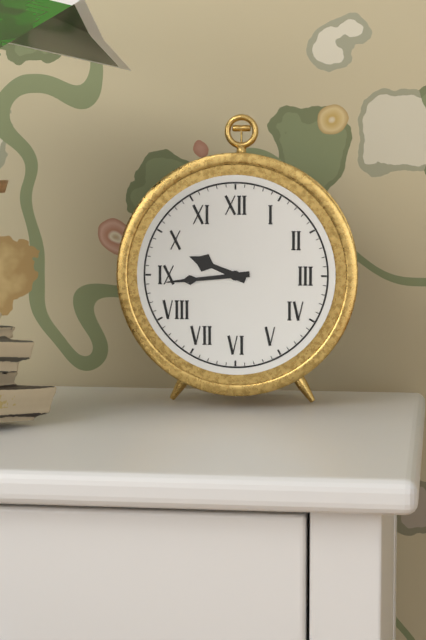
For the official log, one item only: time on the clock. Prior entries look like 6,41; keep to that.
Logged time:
9,44
